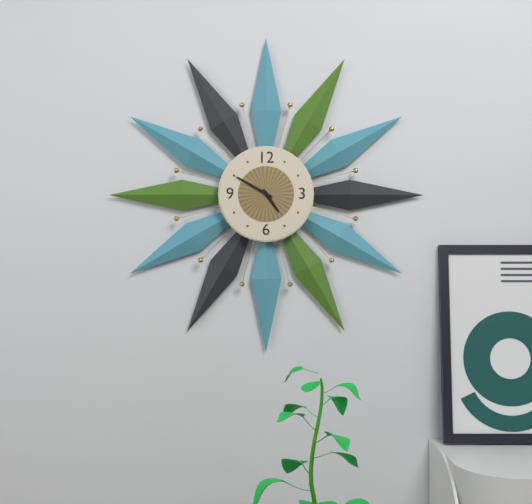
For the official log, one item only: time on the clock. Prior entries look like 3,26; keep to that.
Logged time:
4,50
